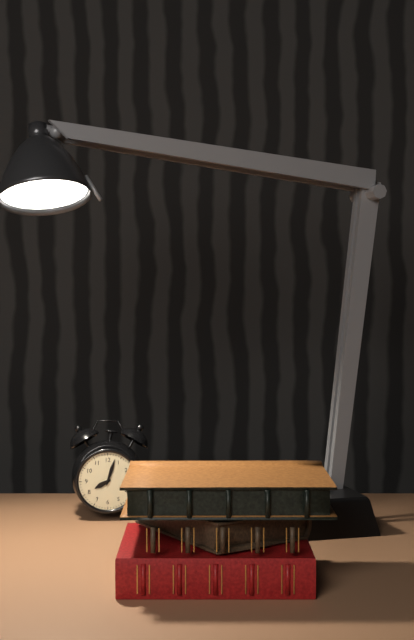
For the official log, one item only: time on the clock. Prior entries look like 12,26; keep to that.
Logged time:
8,03
